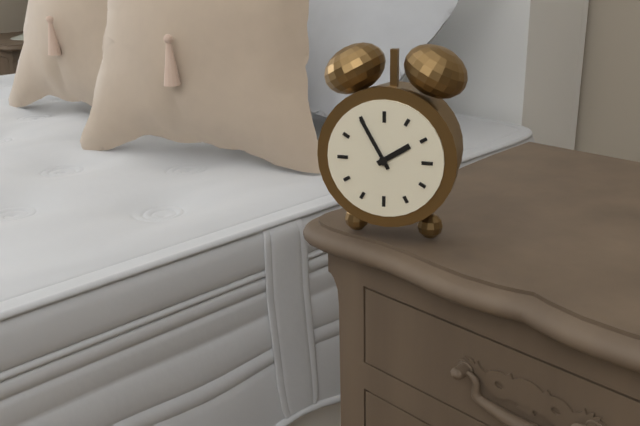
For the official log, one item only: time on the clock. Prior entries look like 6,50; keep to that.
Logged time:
1,55
